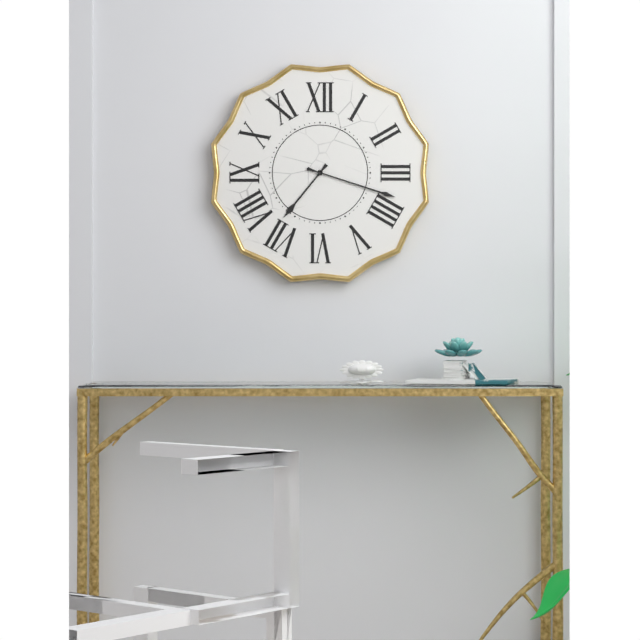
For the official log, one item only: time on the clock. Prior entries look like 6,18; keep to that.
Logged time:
7,18
